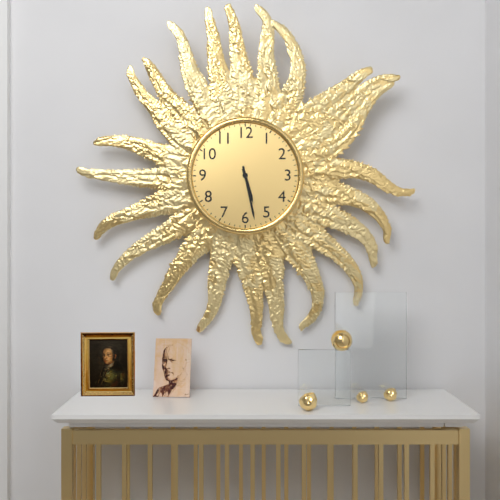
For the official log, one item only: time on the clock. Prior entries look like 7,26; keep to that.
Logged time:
5,28
